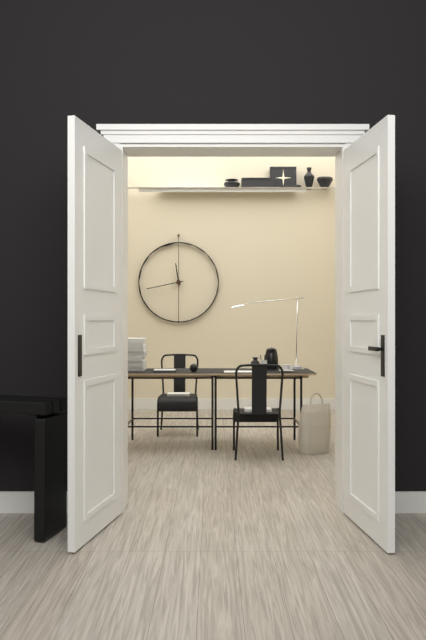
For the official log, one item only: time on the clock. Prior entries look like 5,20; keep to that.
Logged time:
11,43
